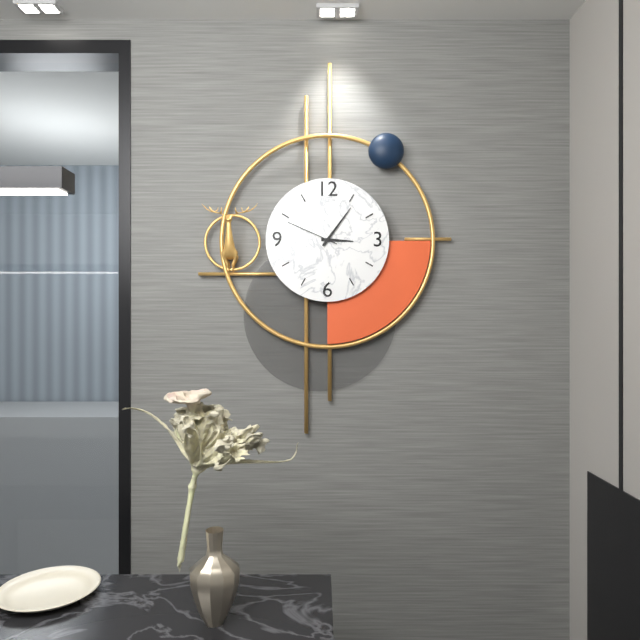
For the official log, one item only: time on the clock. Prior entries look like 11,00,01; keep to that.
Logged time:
3,06,49
